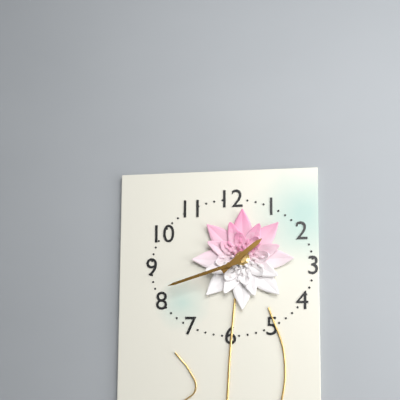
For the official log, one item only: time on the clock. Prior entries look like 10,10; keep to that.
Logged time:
1,42
